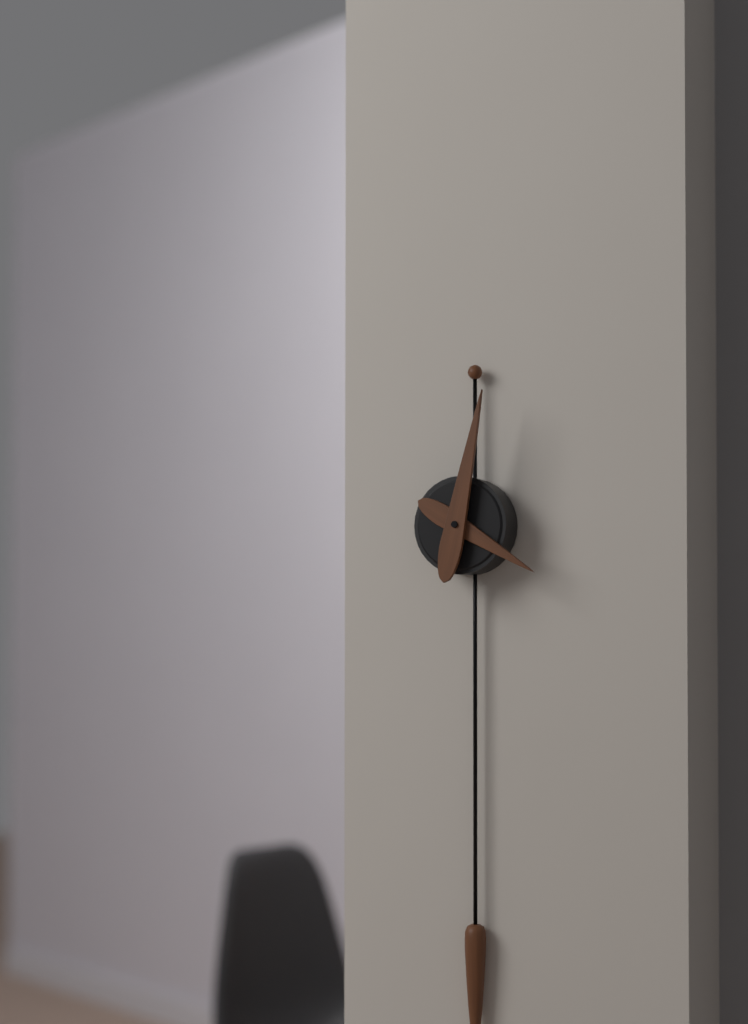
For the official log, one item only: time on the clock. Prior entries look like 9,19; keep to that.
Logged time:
4,02
